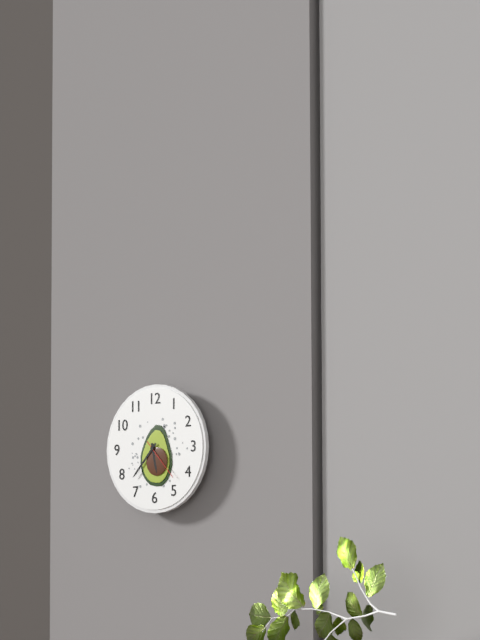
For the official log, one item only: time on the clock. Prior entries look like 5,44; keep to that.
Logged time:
5,37
